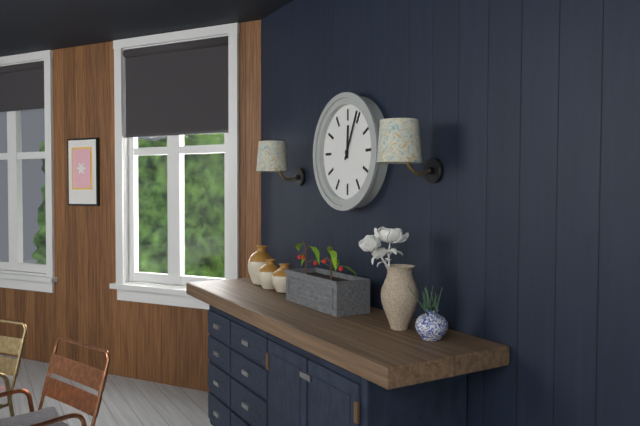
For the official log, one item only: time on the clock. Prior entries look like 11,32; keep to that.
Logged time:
12,04
